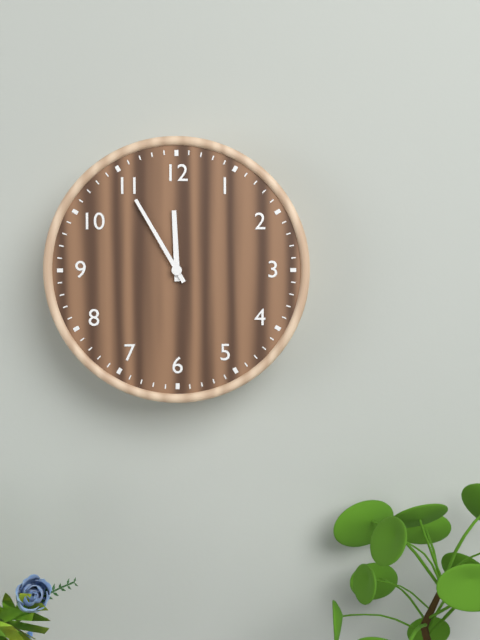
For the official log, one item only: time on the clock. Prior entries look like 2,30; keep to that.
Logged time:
11,55
